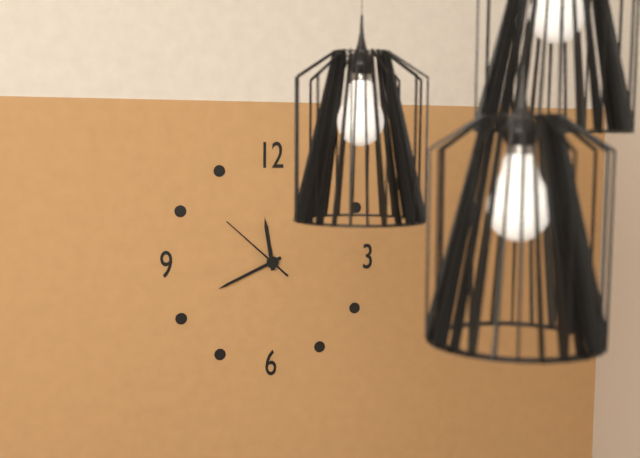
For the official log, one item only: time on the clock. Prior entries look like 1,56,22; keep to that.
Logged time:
11,41,52
